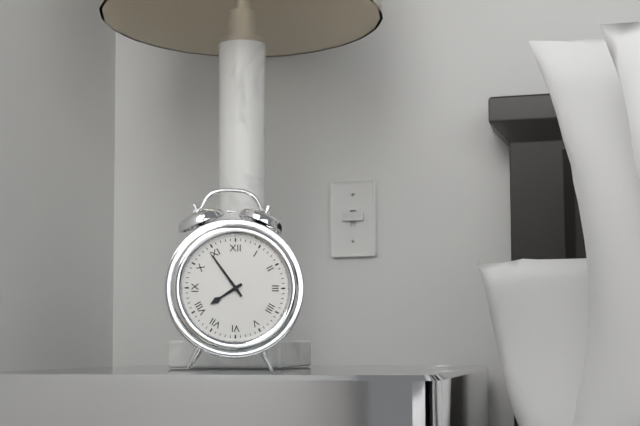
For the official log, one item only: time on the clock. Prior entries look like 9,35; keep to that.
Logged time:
7,54
